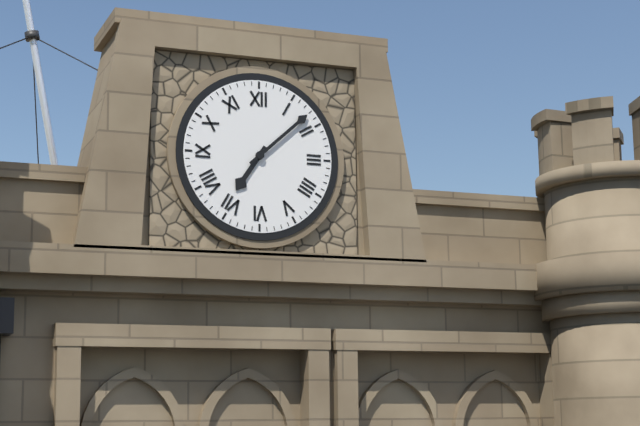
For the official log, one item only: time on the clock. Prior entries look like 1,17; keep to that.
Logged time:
7,08
